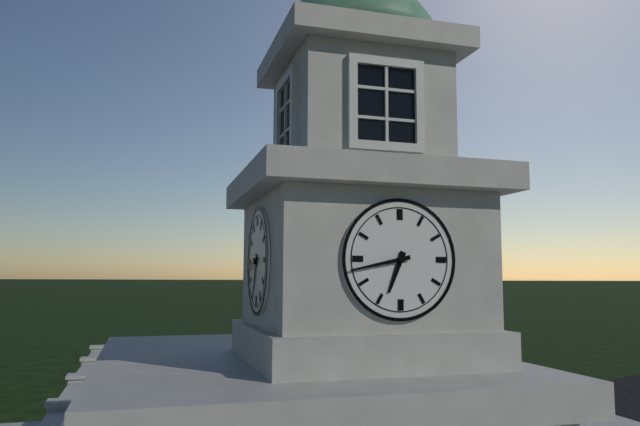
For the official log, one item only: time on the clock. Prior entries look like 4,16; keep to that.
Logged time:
6,43
